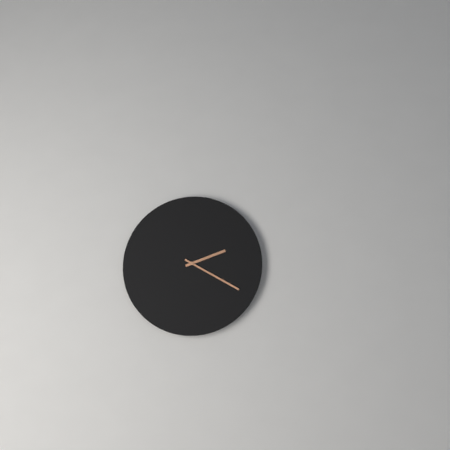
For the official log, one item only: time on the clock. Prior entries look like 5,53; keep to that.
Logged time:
2,20
